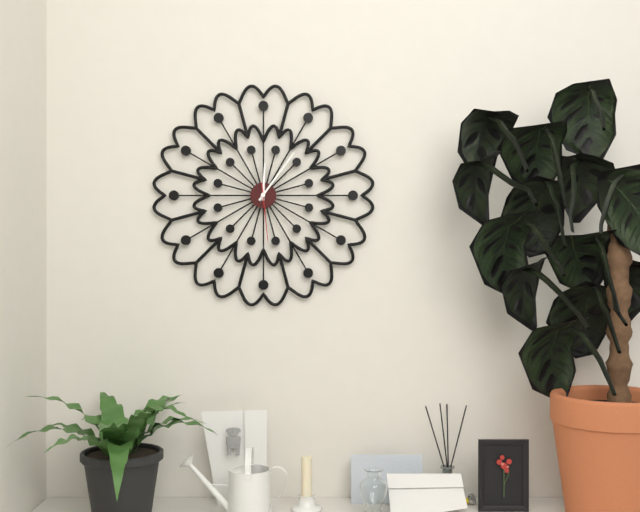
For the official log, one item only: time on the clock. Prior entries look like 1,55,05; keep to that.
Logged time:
12,06,29
